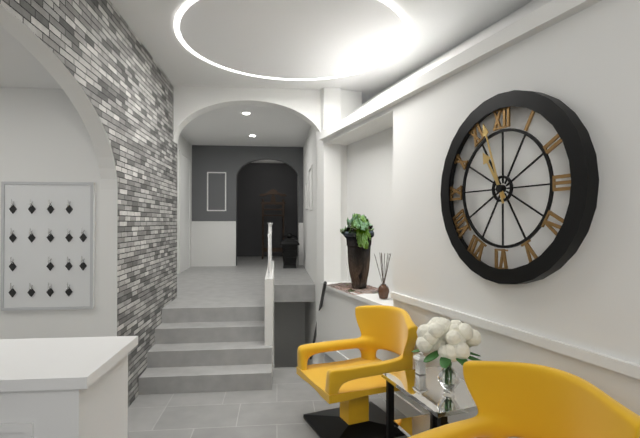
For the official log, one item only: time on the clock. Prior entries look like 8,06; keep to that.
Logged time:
10,57
